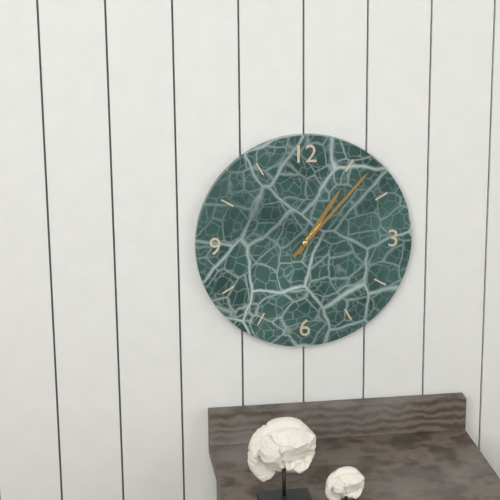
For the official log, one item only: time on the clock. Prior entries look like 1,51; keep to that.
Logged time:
1,07
